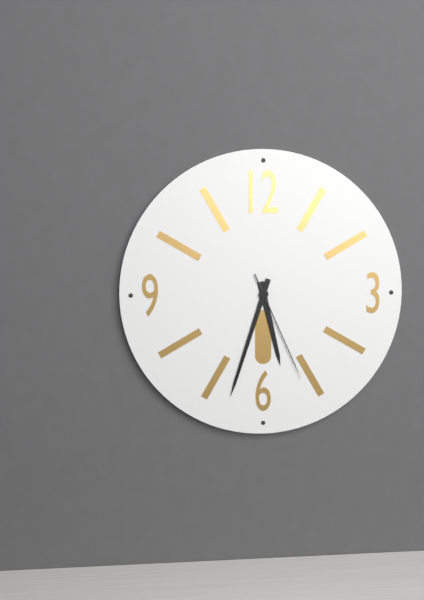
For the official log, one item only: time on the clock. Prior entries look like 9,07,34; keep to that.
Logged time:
5,33,26
